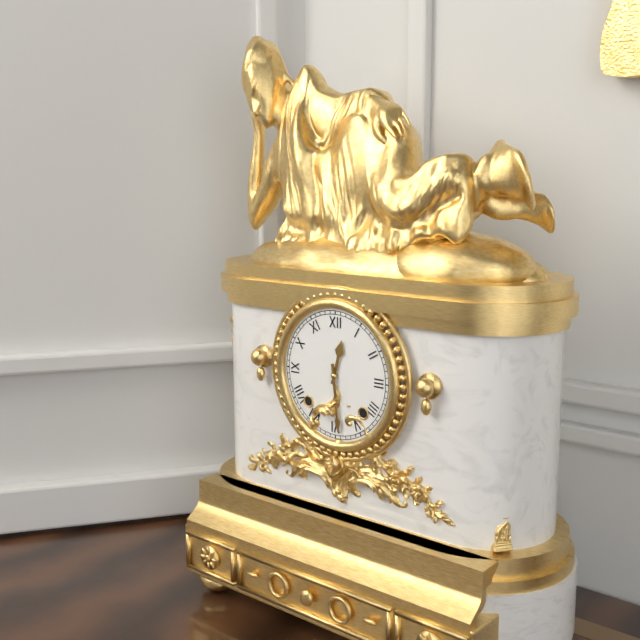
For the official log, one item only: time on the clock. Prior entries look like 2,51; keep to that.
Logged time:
12,29
